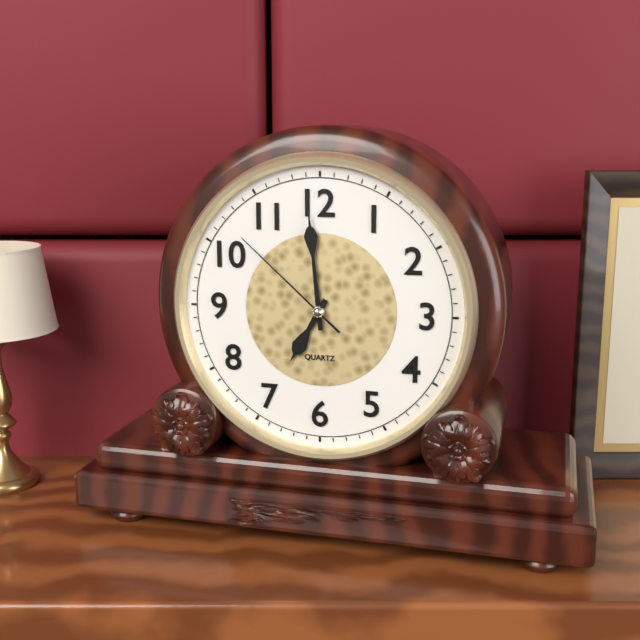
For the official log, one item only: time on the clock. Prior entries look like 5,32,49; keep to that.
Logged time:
6,59,52
